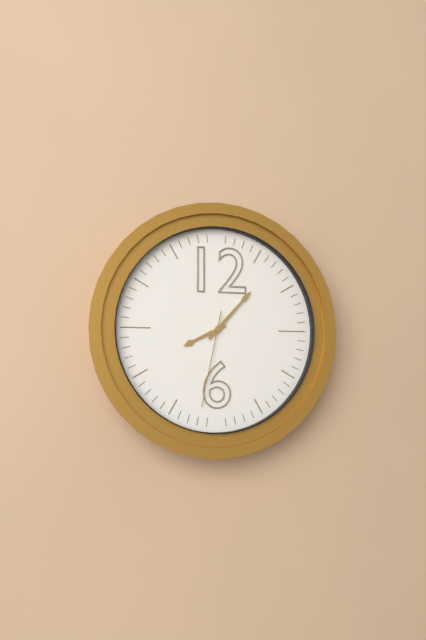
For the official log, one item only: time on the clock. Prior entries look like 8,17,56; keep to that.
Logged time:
8,07,32
